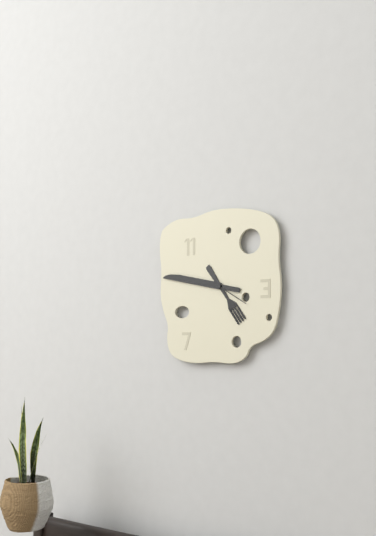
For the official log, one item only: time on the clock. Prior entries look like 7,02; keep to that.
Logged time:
4,47
